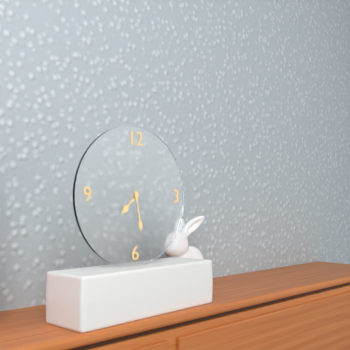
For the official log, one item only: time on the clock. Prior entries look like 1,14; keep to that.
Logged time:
7,28
